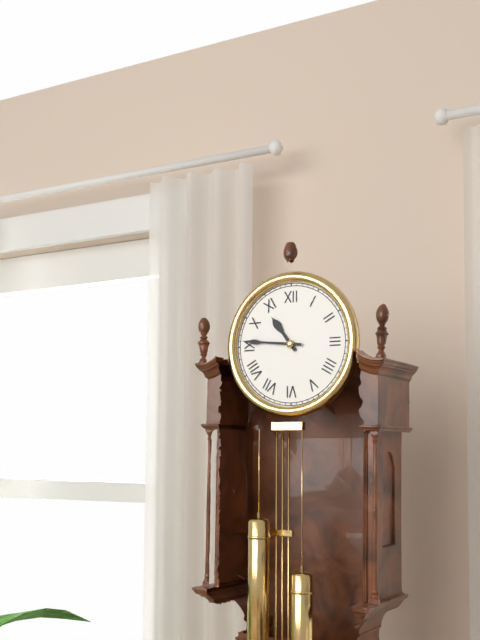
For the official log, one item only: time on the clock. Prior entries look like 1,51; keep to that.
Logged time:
10,46
